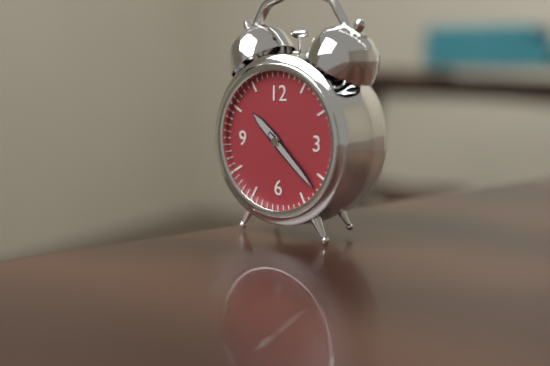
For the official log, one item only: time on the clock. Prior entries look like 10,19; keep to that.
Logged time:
10,22
